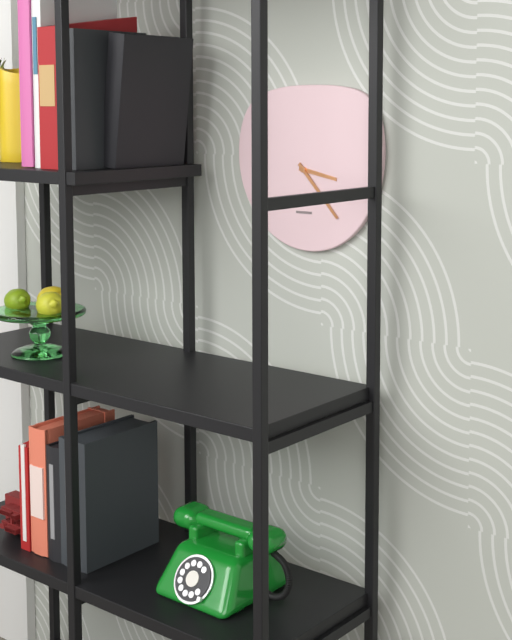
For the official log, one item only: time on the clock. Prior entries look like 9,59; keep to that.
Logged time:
3,23
